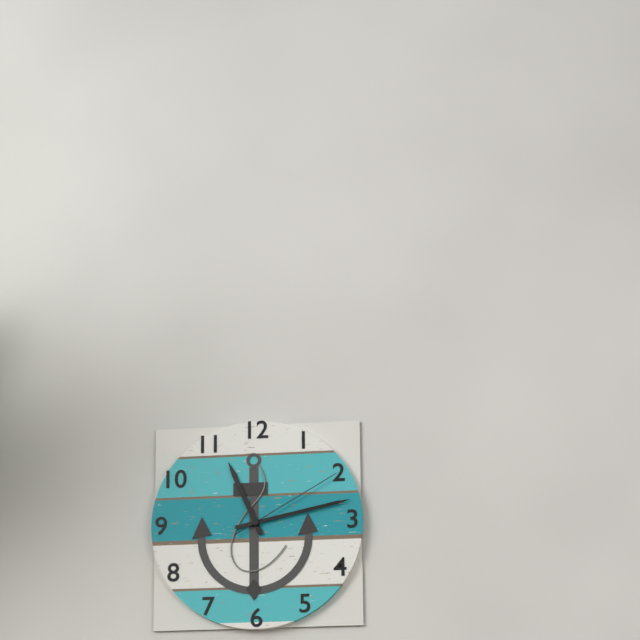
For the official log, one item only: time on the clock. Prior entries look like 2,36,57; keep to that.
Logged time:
11,13,10
